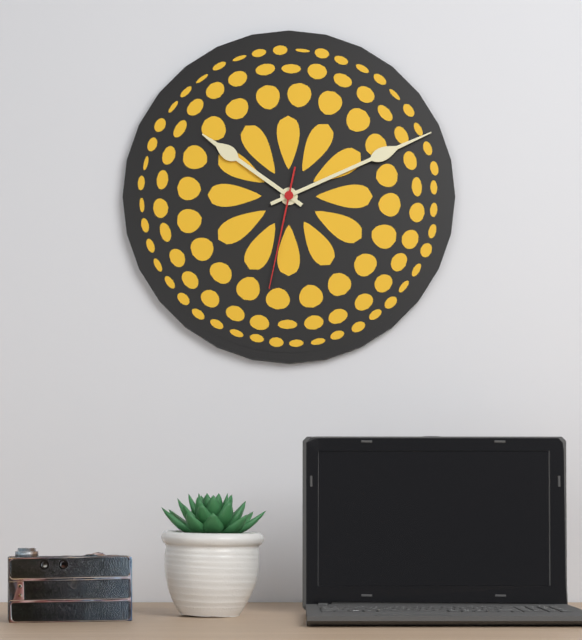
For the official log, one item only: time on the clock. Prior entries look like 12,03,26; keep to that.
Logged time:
10,11,32
